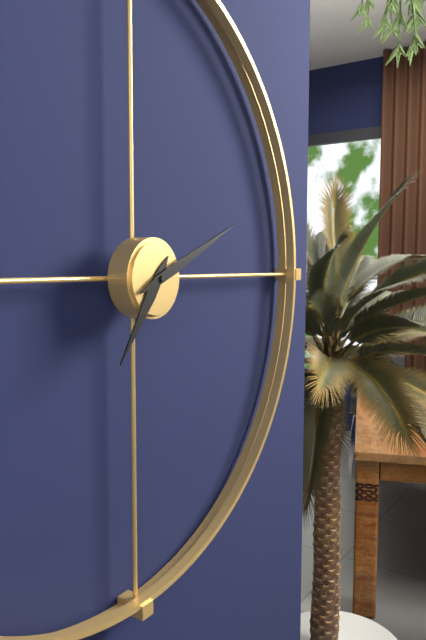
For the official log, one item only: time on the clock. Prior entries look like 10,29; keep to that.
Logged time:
7,11
